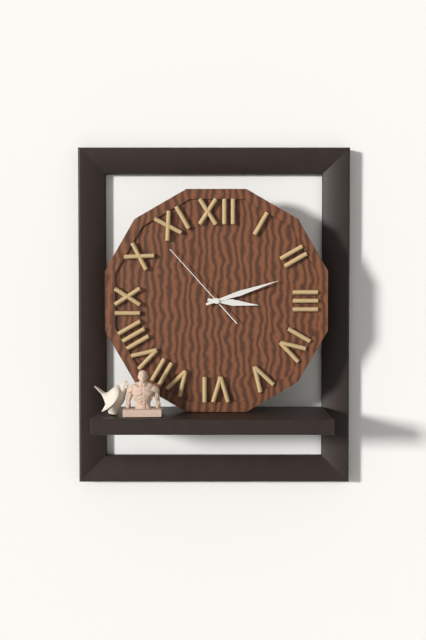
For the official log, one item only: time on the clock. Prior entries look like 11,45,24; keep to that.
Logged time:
3,12,53
